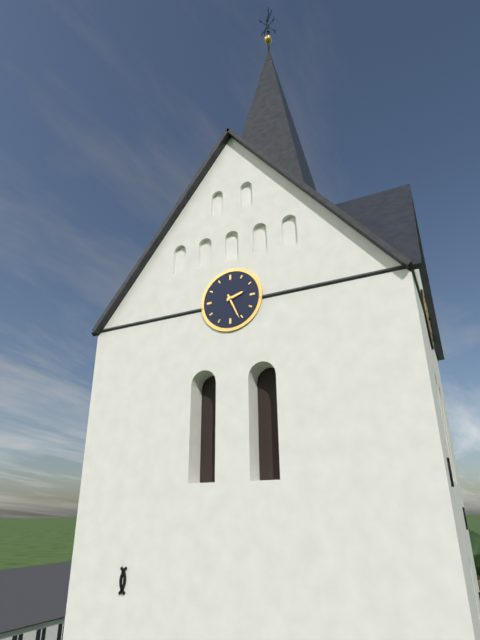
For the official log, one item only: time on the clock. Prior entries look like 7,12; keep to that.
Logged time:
2,26
